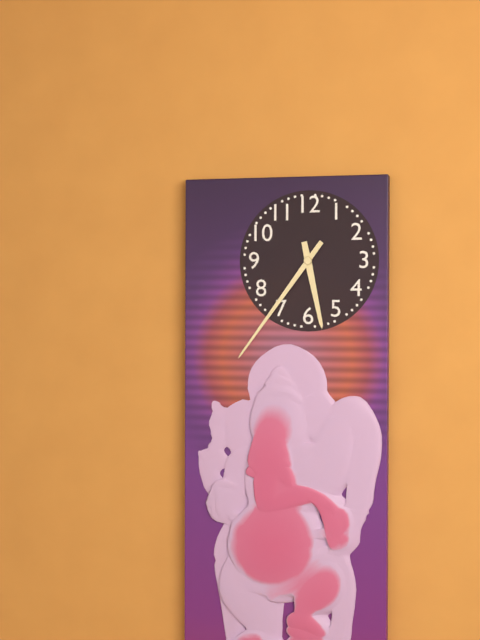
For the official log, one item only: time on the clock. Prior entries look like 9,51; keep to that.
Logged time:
5,36
